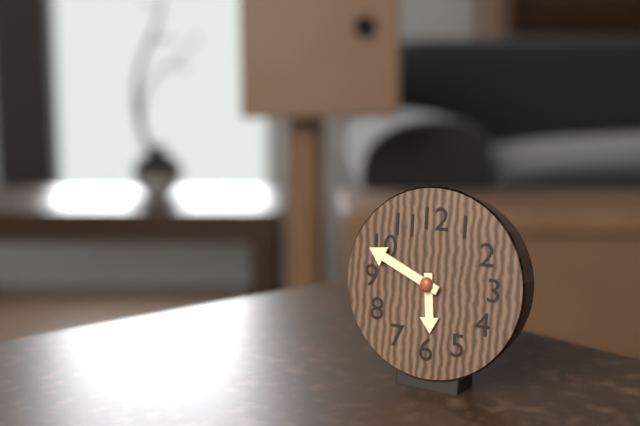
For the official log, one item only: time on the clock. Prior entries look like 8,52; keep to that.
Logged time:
5,49
